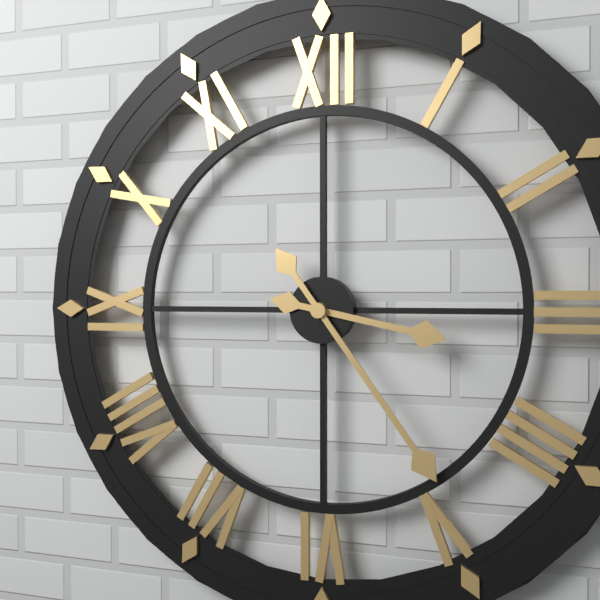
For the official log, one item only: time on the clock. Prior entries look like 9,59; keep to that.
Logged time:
3,24
